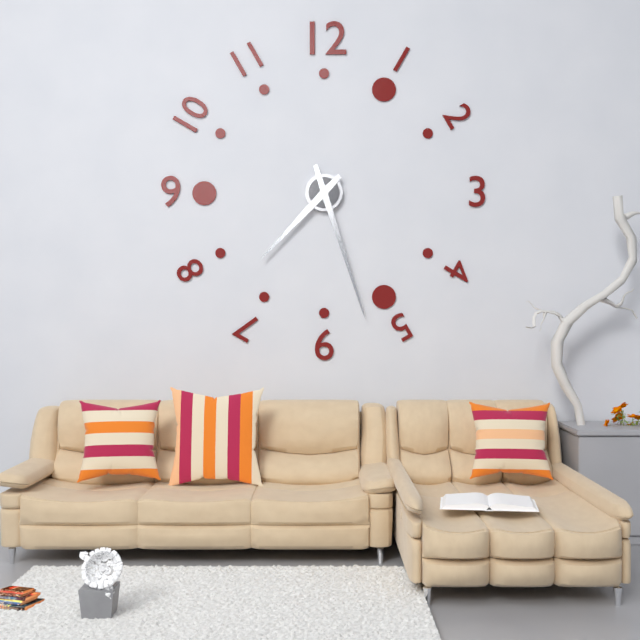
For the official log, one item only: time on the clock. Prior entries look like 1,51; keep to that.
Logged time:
7,27
